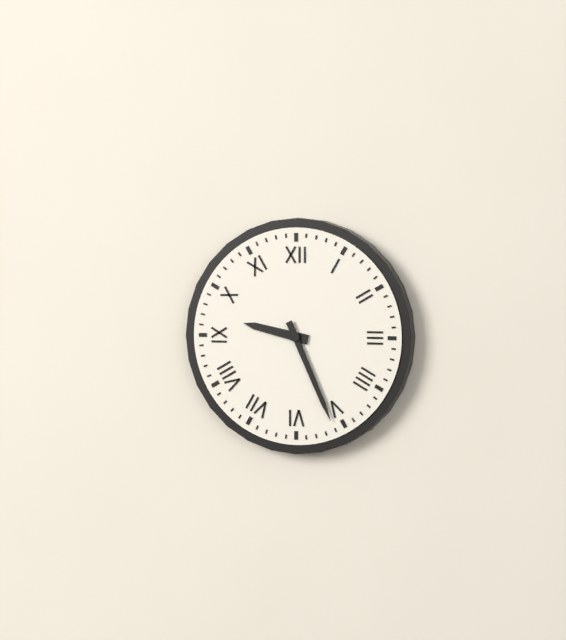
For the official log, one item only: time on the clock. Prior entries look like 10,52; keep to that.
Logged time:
9,26
